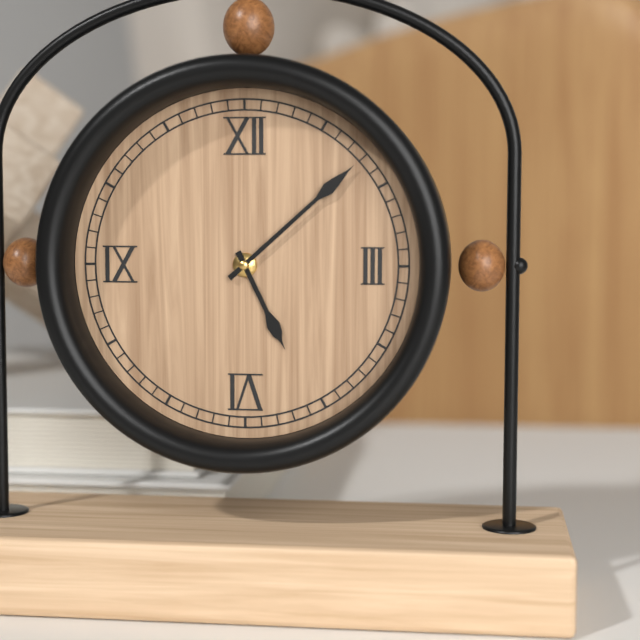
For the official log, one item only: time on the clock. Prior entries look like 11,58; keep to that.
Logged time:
5,08
